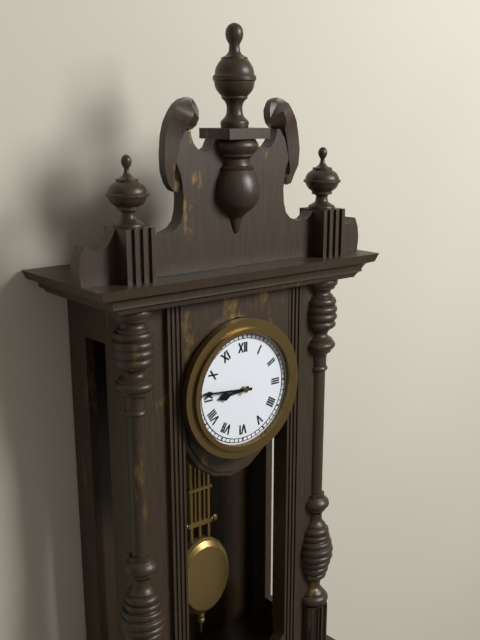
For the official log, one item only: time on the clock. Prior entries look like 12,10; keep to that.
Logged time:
8,46
